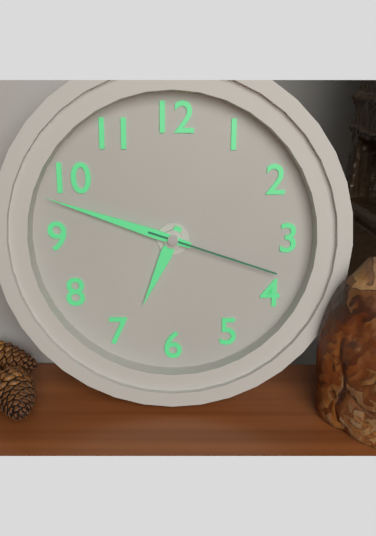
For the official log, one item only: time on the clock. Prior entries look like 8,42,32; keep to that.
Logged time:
6,48,18
